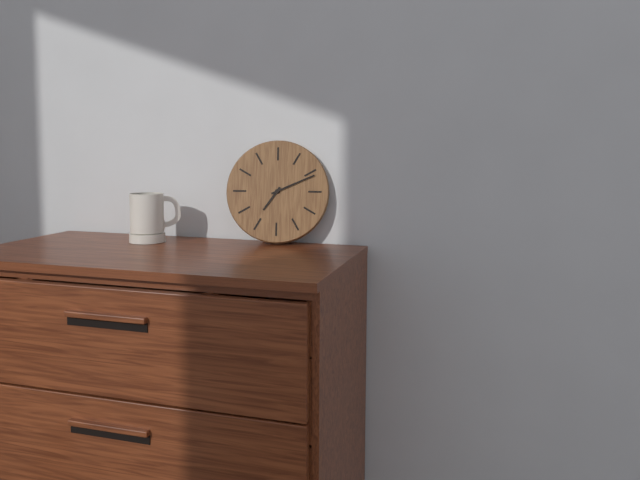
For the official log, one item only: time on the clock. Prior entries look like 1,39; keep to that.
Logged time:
7,11
